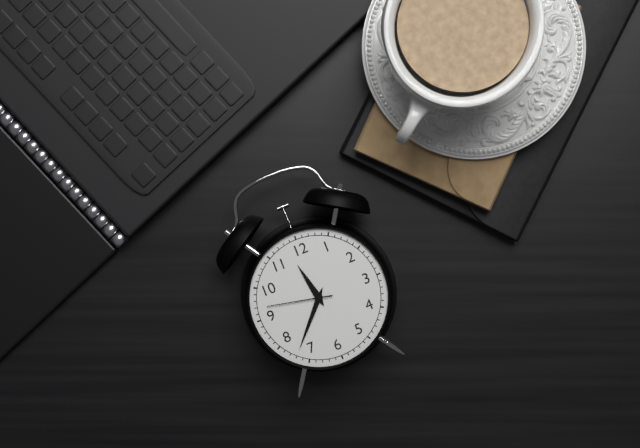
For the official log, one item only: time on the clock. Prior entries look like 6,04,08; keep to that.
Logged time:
11,37,47
